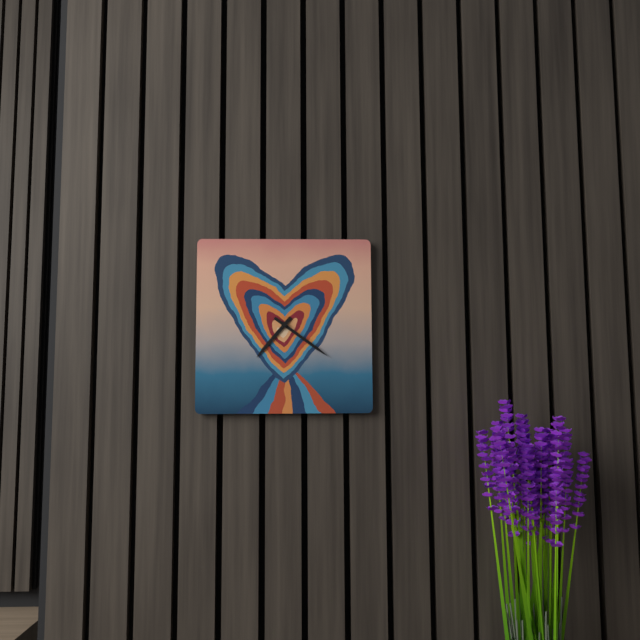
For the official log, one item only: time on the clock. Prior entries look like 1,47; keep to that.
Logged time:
7,21
